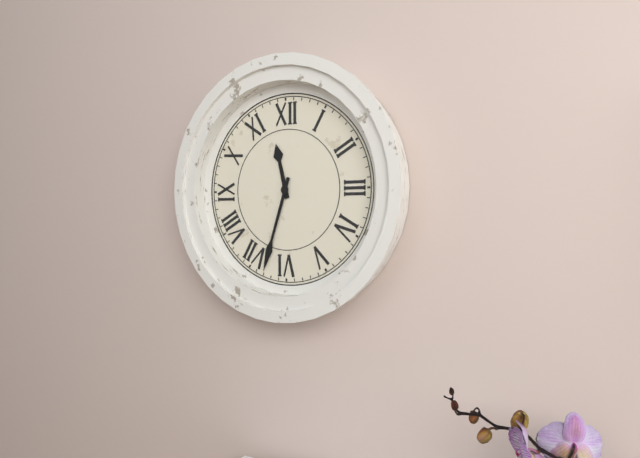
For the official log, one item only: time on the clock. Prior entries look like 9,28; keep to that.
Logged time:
11,33
